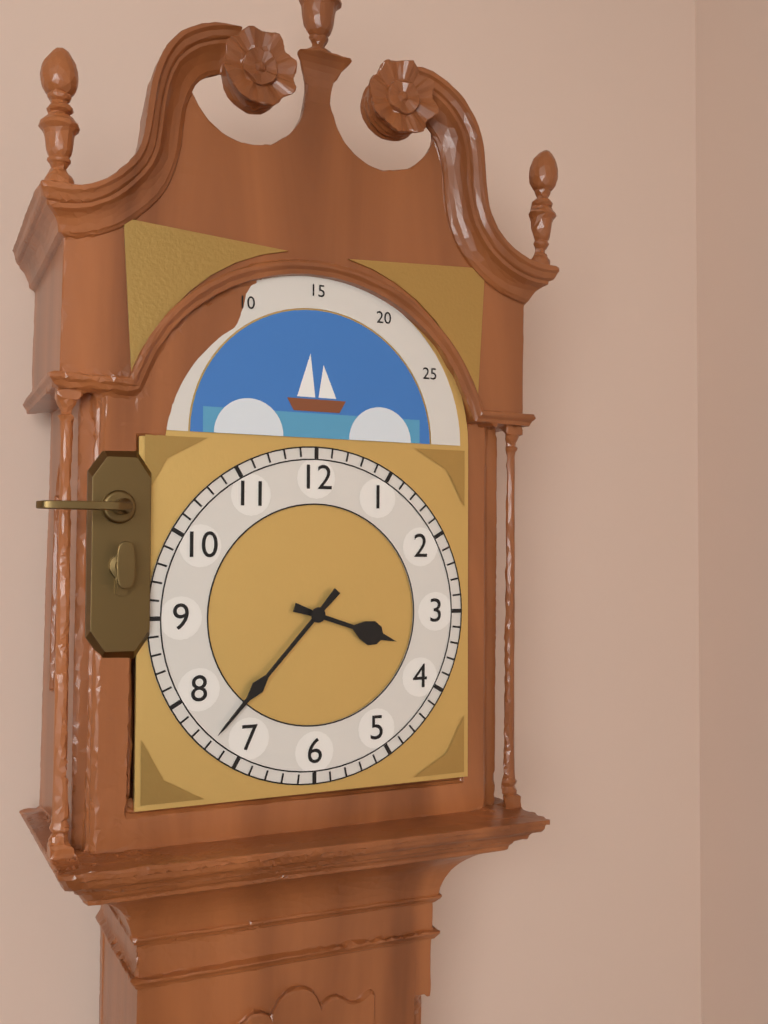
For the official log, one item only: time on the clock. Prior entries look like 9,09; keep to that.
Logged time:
3,37
